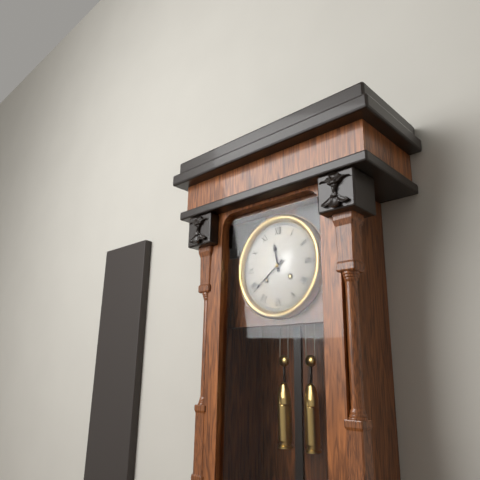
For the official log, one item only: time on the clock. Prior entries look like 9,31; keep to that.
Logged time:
11,39
